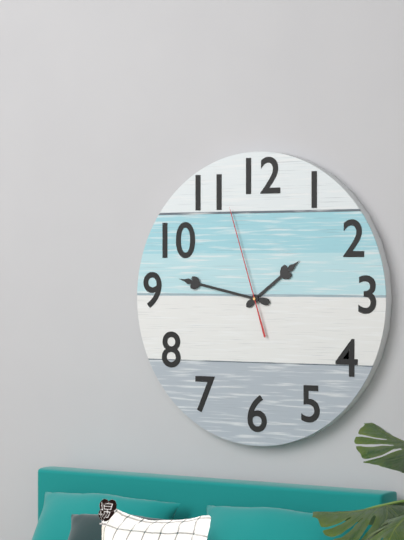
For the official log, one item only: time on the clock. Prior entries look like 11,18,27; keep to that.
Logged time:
1,47,57
